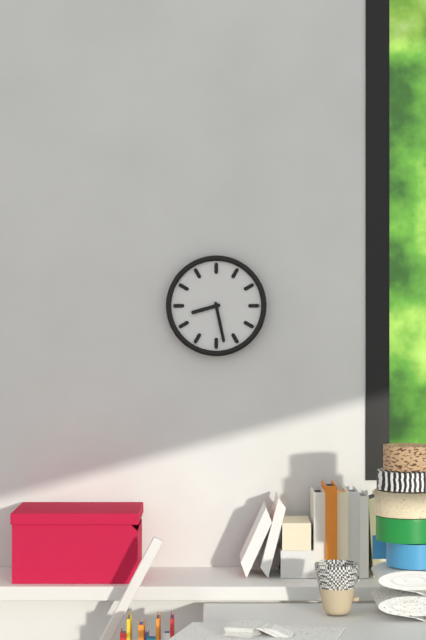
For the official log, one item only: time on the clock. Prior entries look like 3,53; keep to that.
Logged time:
8,28
